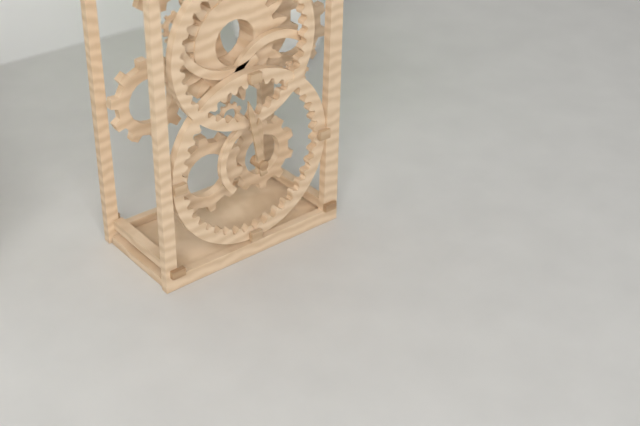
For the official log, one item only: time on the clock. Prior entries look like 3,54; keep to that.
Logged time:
11,58
